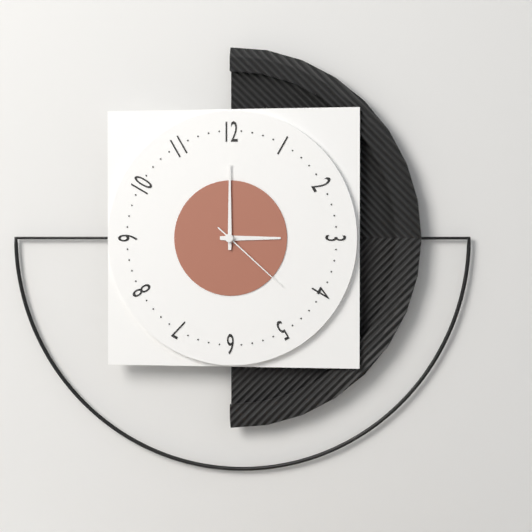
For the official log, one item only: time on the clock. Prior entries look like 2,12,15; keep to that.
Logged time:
3,00,22
